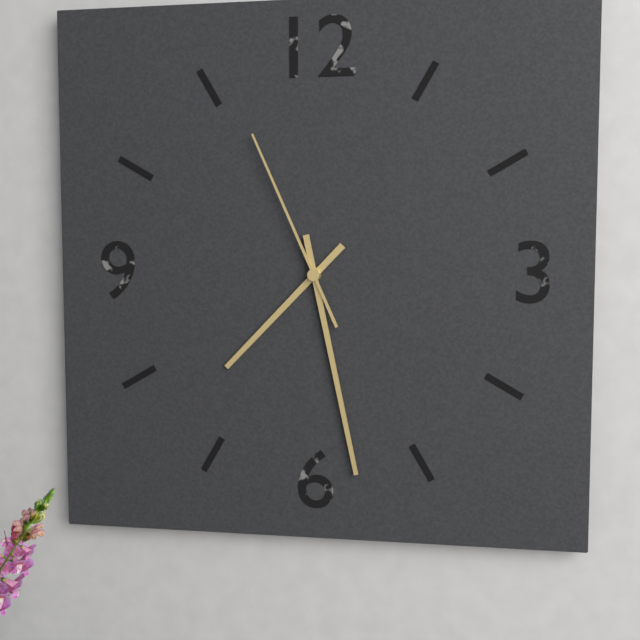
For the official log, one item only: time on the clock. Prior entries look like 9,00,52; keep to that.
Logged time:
7,28,56
